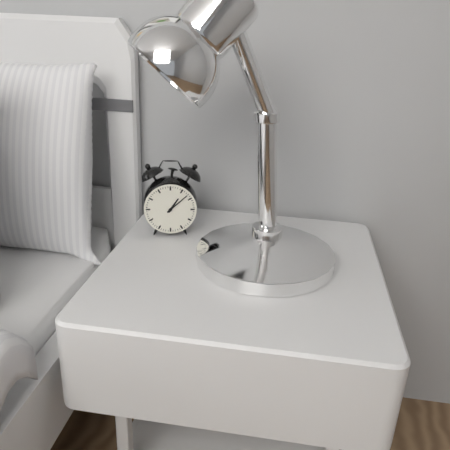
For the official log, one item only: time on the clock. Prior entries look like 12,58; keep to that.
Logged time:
1,08
